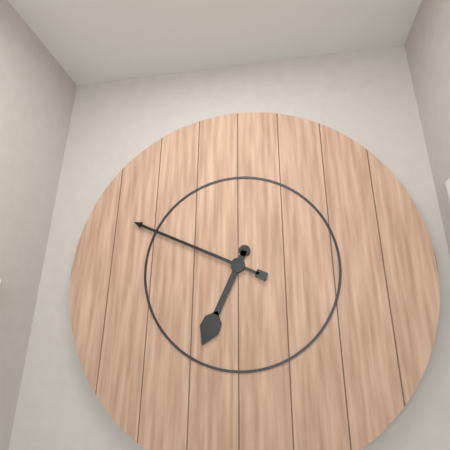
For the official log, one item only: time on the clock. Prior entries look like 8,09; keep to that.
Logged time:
6,49
